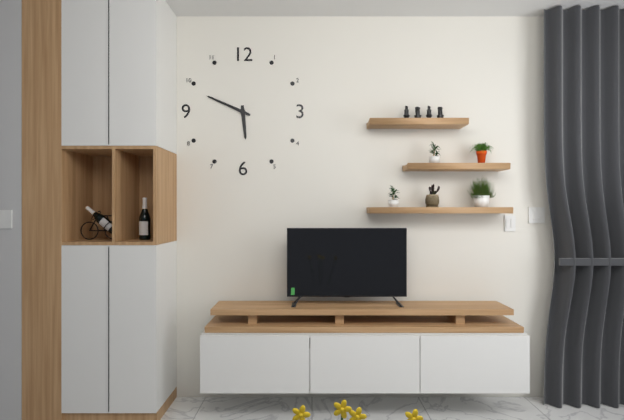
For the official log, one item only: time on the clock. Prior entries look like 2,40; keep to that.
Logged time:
5,49
